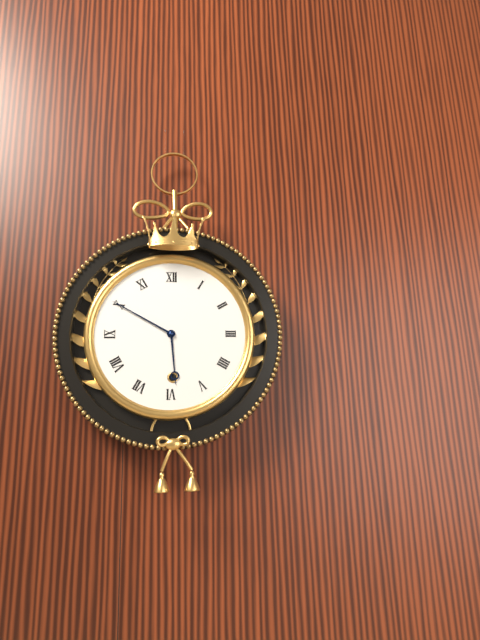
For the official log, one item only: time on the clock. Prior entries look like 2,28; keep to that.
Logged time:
5,50
